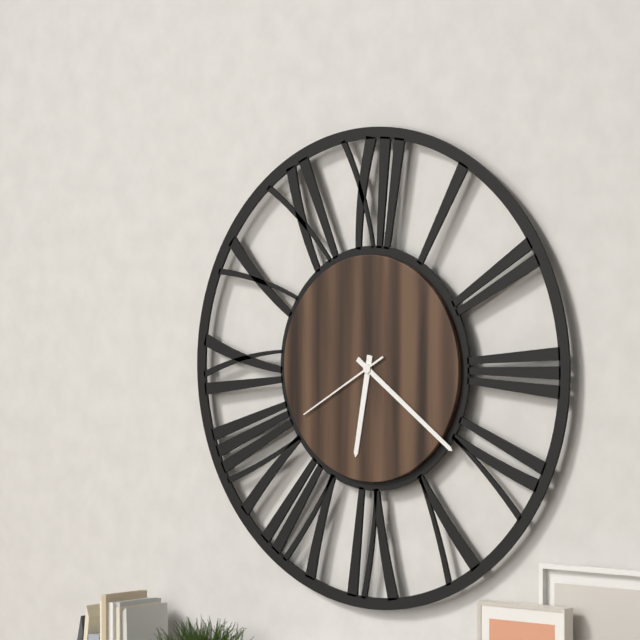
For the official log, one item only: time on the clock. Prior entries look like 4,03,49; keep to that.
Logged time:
6,21,40
